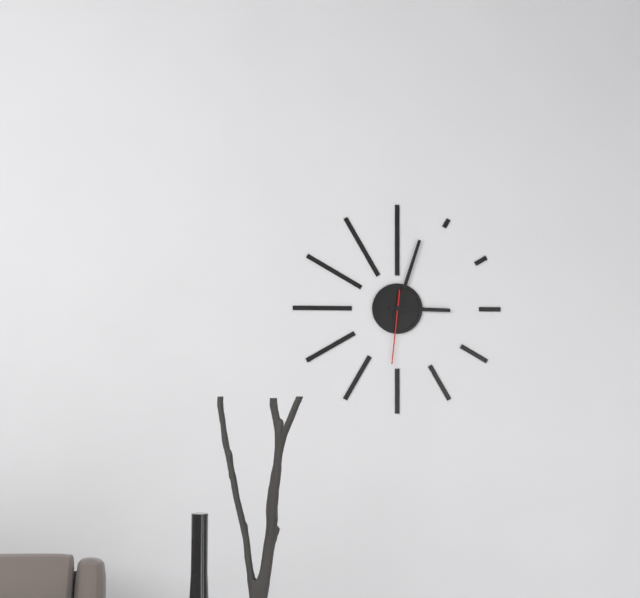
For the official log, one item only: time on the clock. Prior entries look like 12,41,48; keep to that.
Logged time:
3,03,31
